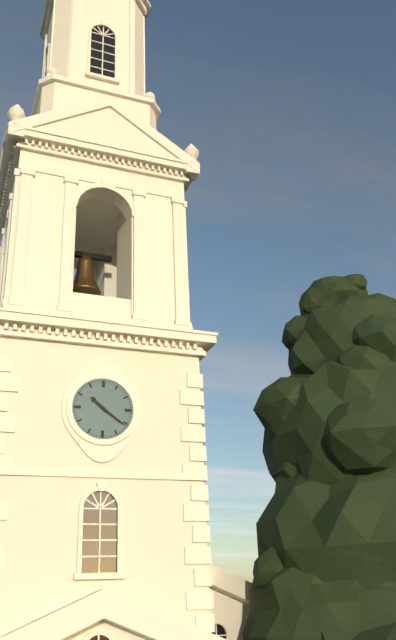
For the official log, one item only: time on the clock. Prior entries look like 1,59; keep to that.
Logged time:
10,21
